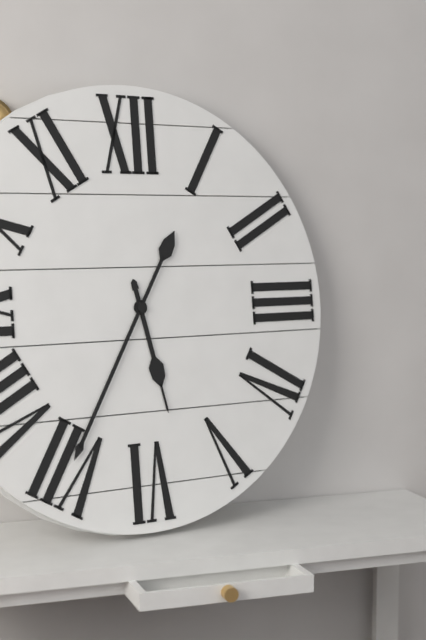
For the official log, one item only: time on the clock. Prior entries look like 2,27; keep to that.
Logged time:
5,35
